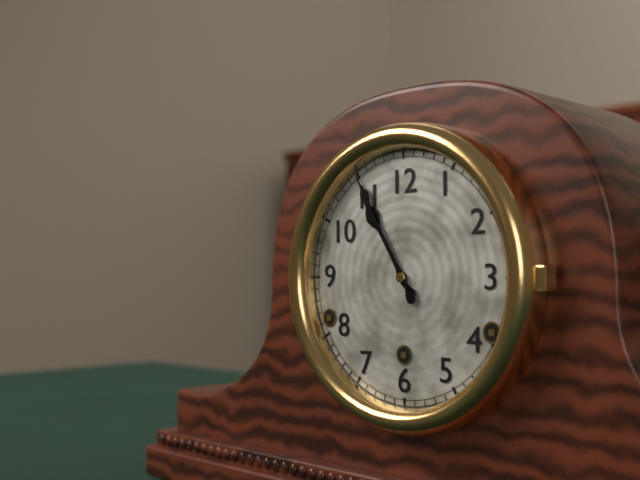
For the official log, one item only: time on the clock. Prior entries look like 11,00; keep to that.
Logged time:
10,55
